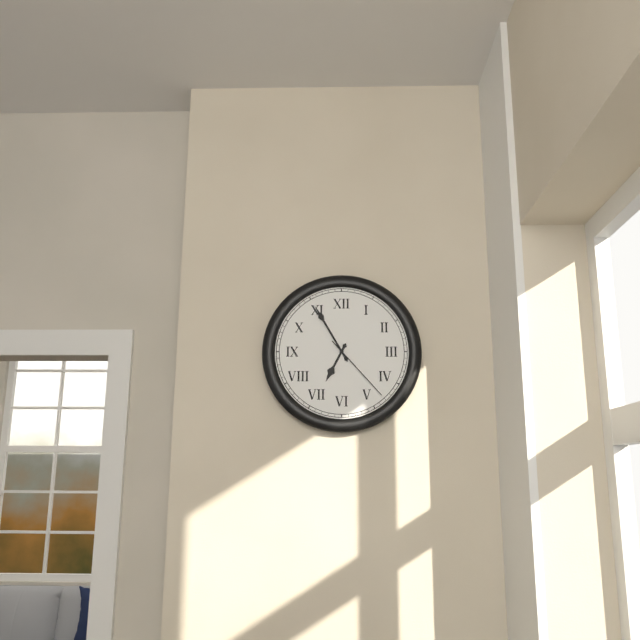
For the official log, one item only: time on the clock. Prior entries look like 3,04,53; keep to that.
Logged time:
6,55,23
